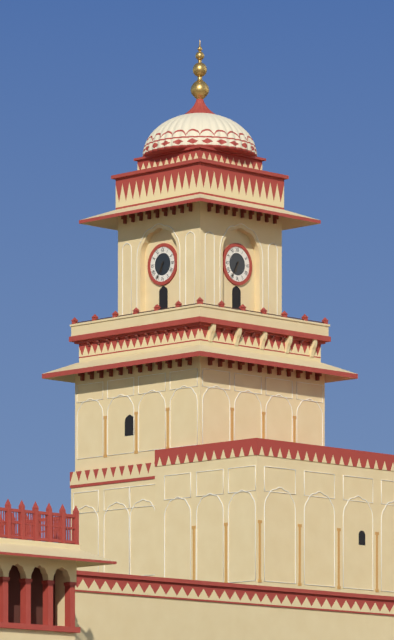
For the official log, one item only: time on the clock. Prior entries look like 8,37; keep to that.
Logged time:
6,35
